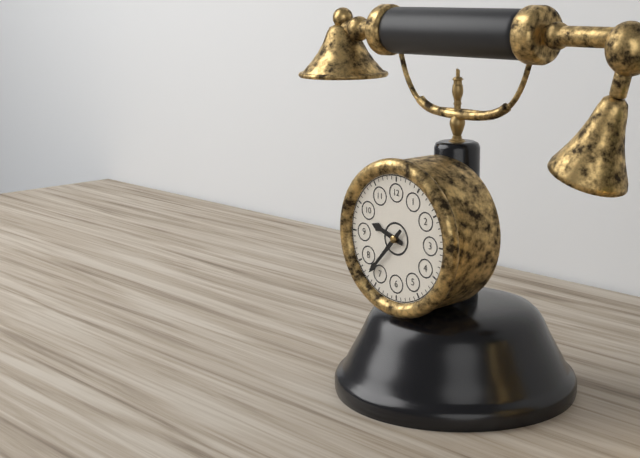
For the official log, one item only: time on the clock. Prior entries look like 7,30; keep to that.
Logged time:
9,37
